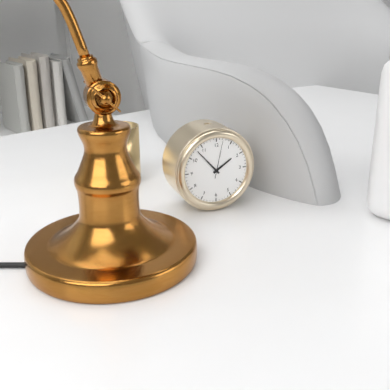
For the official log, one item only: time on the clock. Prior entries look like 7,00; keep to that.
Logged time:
1,53
